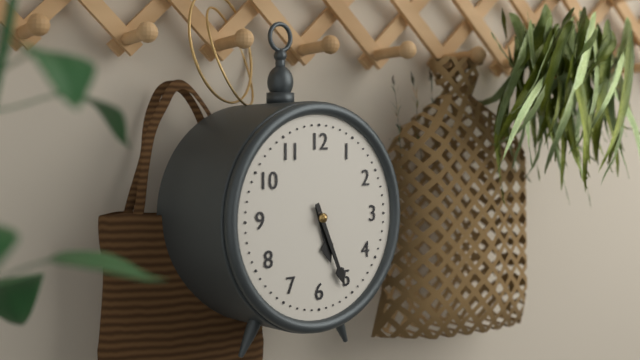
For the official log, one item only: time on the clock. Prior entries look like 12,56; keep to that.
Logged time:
5,26
